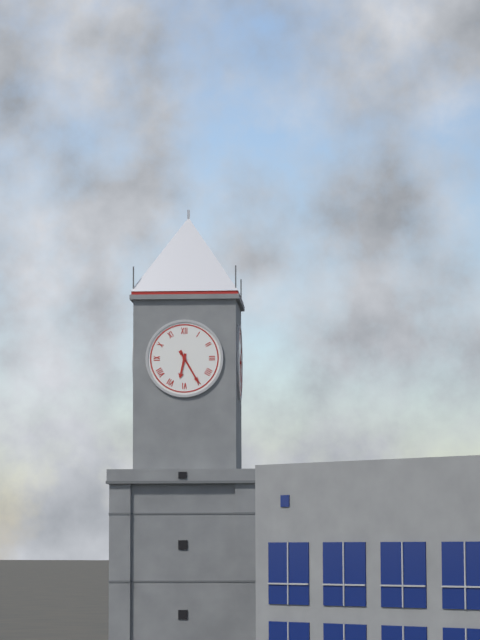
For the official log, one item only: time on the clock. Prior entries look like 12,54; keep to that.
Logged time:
6,25
